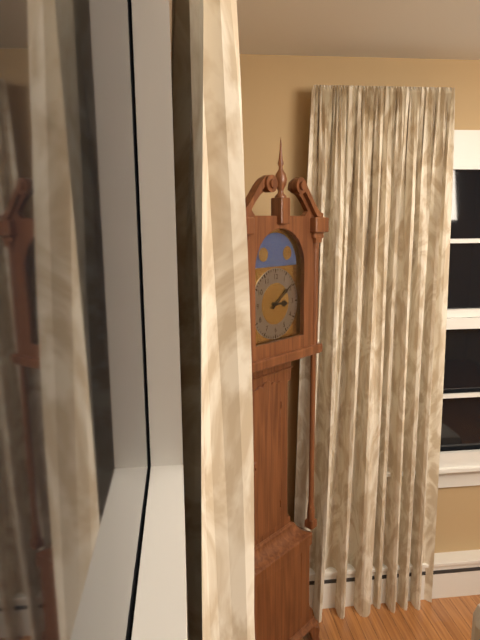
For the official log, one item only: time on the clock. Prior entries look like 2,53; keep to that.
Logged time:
3,09
